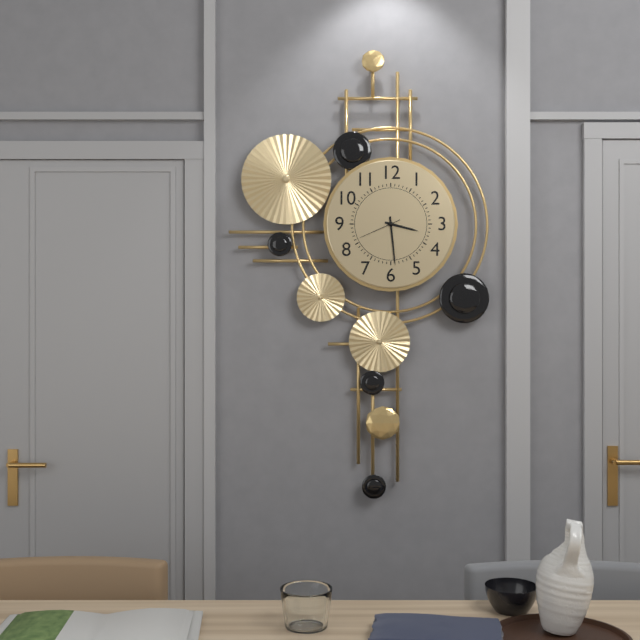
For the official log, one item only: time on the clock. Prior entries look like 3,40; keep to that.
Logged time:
3,29
